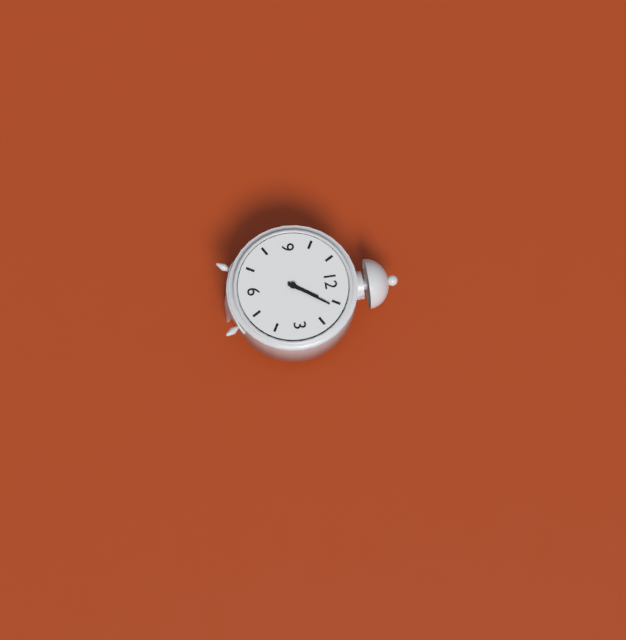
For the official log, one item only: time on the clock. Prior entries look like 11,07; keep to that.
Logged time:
1,06
